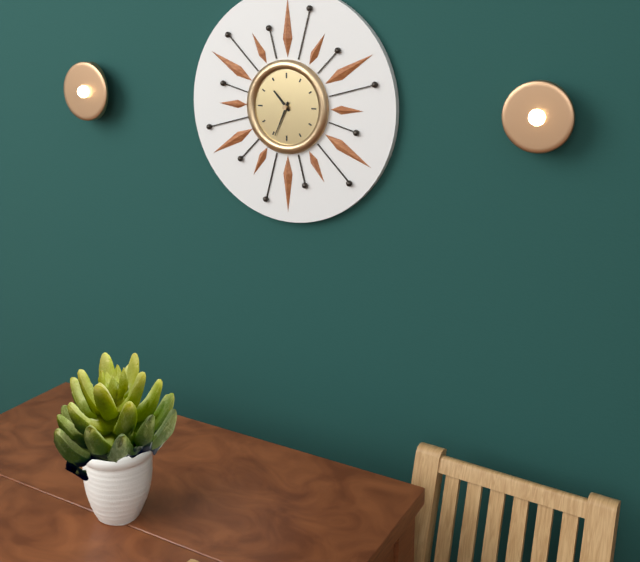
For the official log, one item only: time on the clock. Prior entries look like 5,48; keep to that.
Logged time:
10,34
